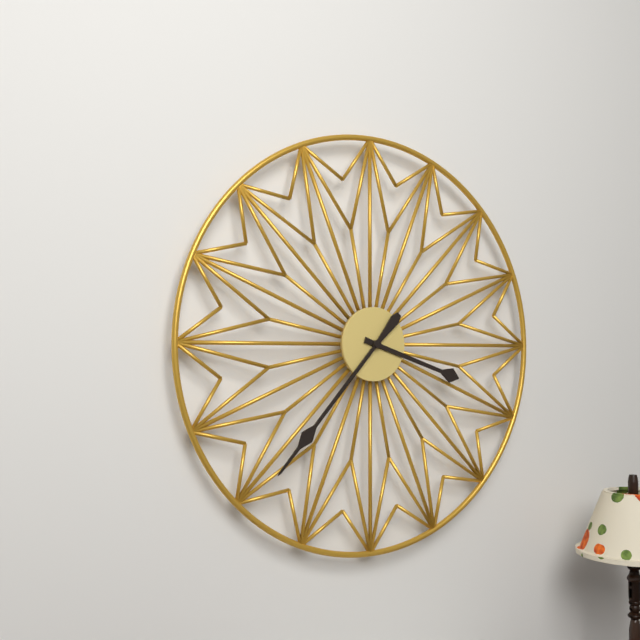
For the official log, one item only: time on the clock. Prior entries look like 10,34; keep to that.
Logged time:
3,37
